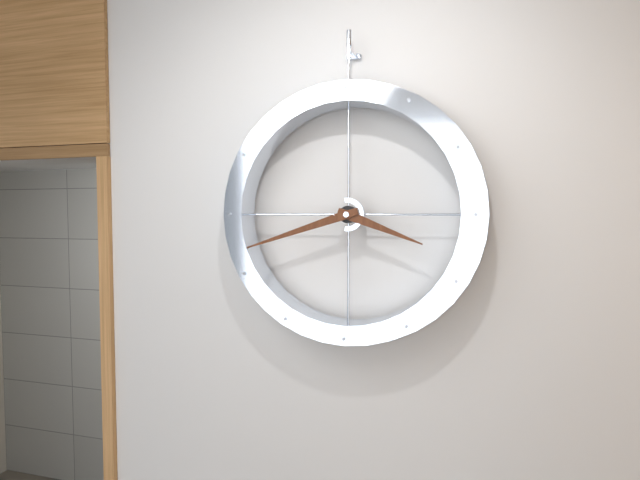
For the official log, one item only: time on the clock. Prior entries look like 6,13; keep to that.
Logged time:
3,42
